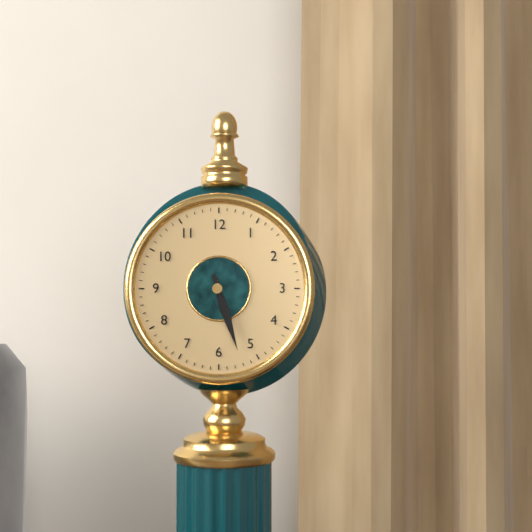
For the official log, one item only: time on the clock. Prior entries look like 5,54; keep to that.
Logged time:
5,27
